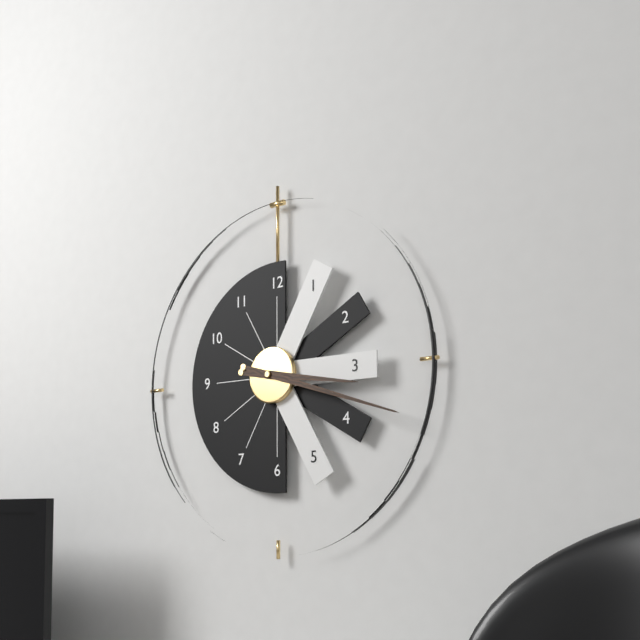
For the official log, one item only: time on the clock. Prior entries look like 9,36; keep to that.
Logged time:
3,18
